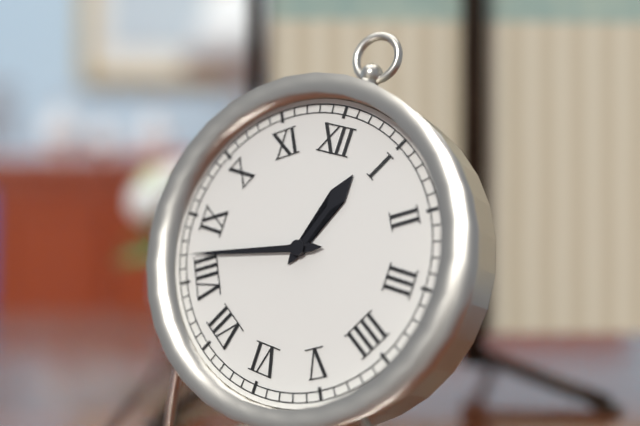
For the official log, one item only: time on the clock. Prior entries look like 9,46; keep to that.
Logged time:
12,42
